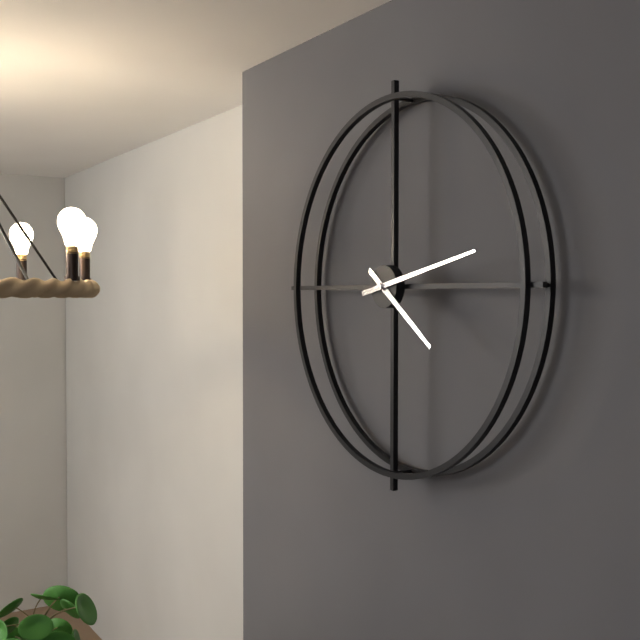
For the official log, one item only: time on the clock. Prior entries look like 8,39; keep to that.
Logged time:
4,13
